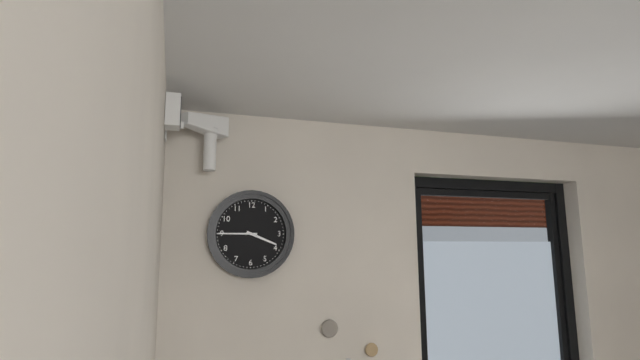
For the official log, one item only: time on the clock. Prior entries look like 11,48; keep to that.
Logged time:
3,45
